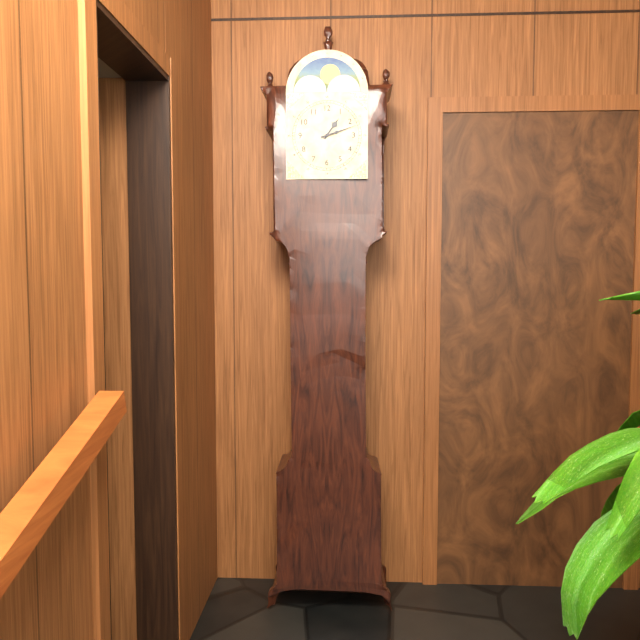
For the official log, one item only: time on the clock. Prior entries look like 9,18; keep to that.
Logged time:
1,12
